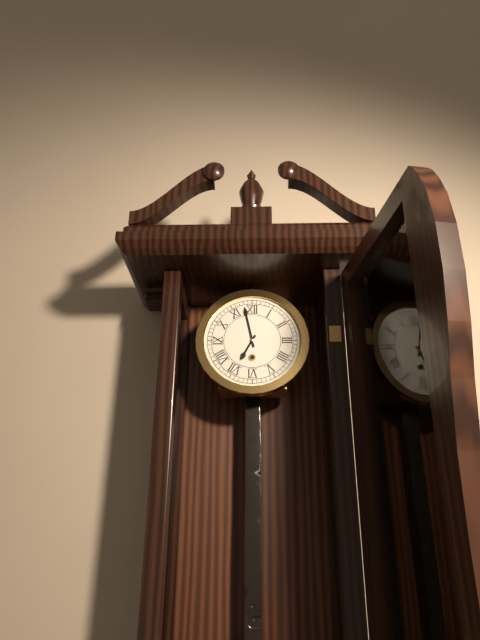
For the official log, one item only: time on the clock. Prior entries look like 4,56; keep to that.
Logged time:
6,58
